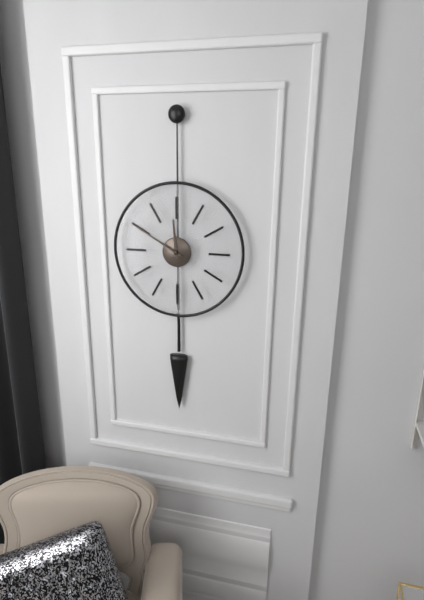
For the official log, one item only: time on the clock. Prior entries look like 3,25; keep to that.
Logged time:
11,50
